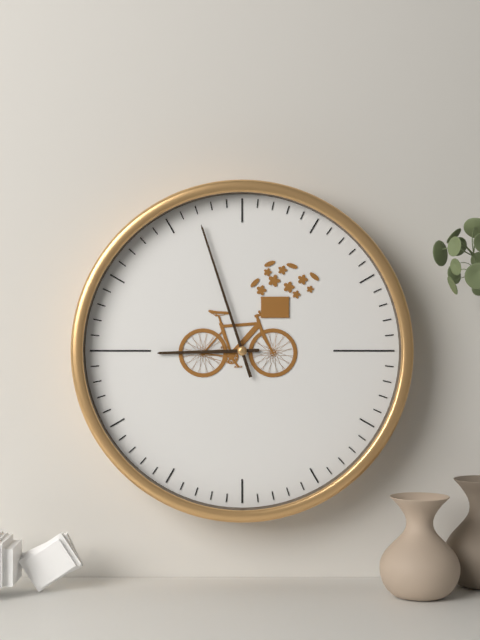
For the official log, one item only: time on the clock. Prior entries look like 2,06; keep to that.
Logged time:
8,57
